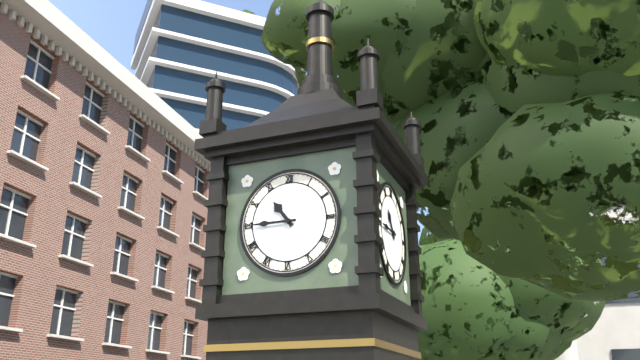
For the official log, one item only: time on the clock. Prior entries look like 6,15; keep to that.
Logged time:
10,45
